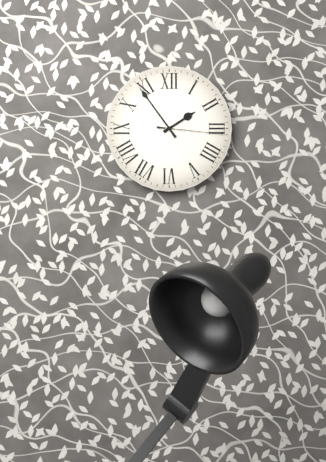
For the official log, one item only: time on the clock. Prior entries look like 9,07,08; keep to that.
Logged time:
1,54,16
